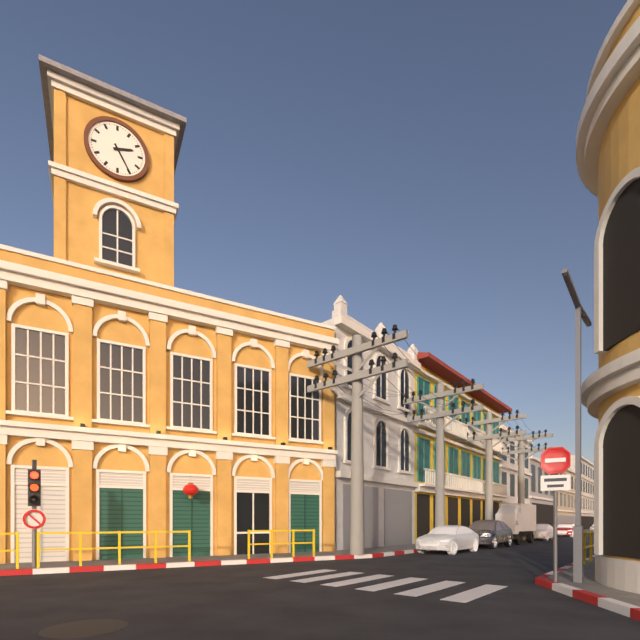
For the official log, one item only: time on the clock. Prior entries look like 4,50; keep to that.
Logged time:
2,25
